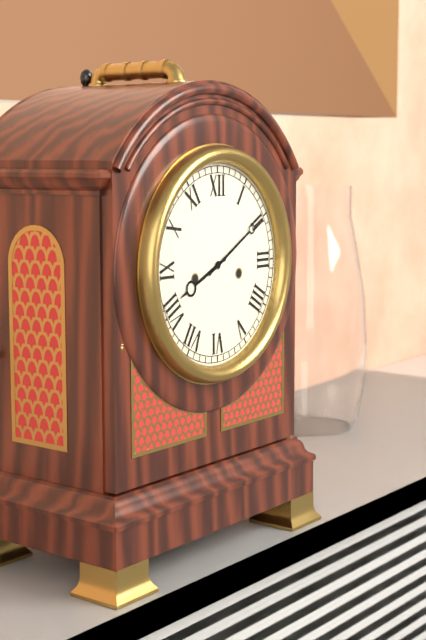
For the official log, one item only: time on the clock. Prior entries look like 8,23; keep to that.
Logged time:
8,10
